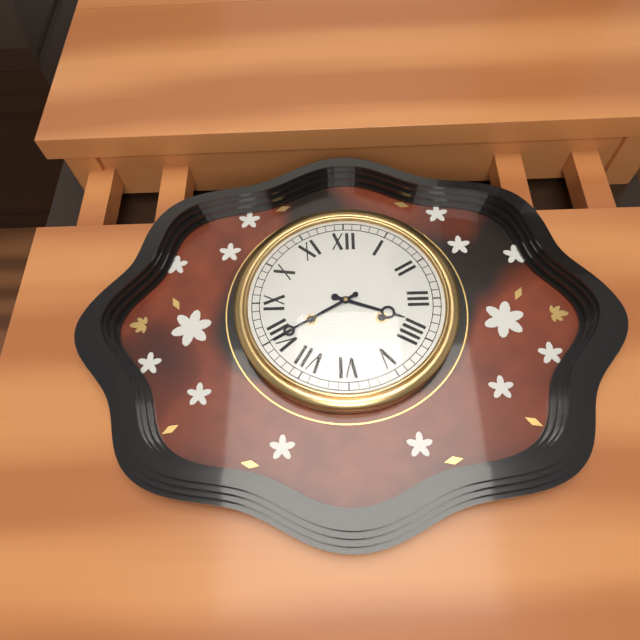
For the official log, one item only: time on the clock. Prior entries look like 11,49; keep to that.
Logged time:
3,40
